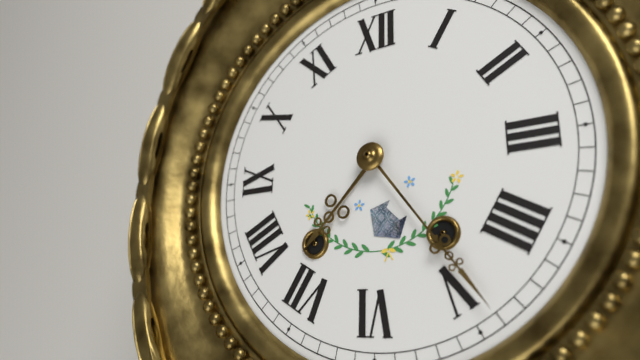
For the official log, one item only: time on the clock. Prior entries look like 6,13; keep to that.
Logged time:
7,24
